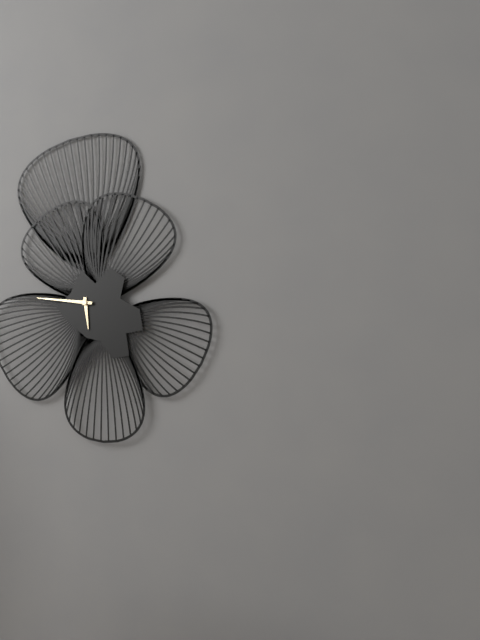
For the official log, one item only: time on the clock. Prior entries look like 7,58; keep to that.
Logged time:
5,46
